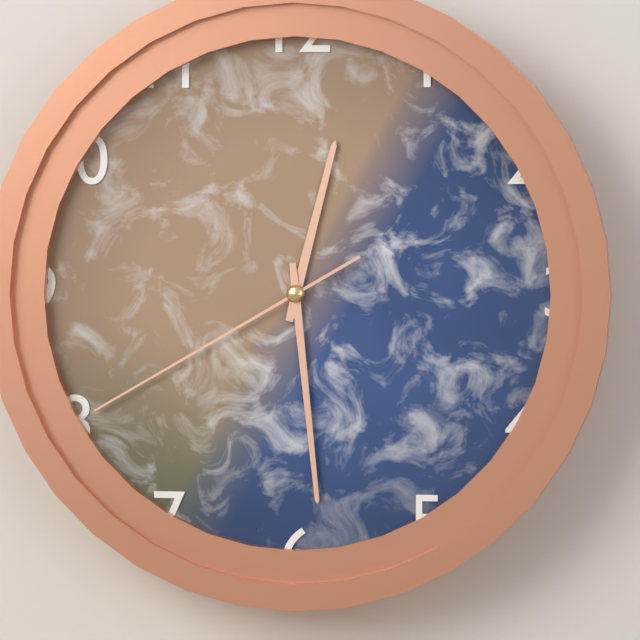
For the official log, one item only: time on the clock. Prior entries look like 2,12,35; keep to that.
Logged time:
12,29,40
